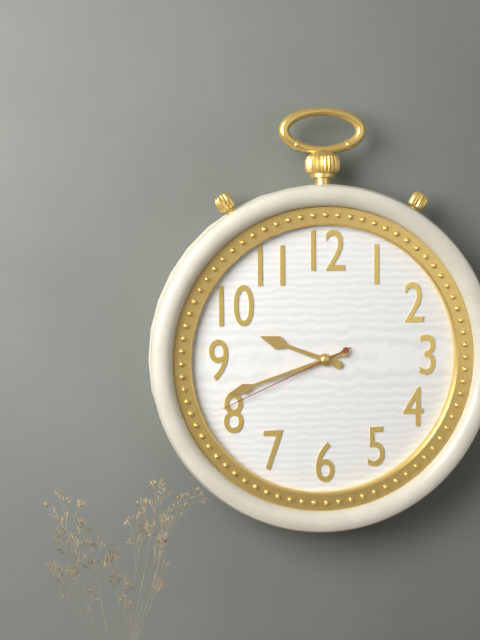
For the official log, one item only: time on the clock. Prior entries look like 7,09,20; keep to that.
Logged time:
9,42,41
